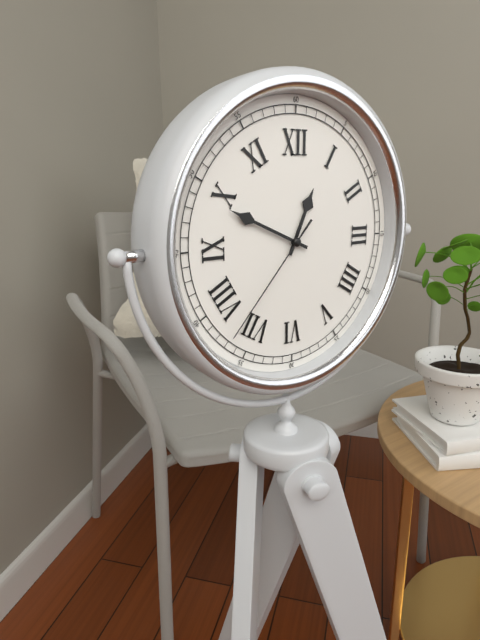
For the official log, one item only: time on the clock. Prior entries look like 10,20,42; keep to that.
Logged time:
12,49,37
